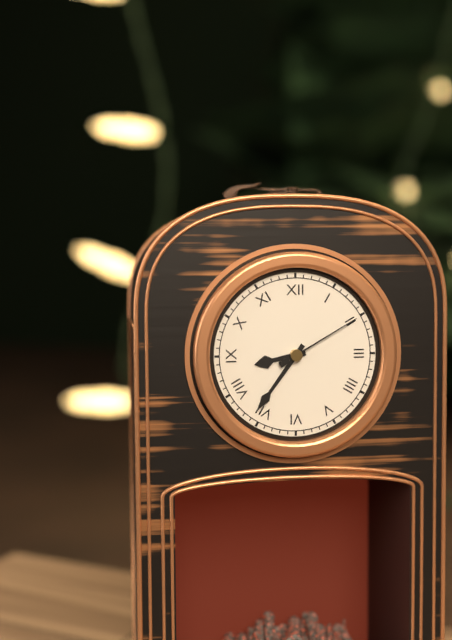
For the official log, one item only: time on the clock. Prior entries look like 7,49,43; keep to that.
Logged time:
8,36,10
